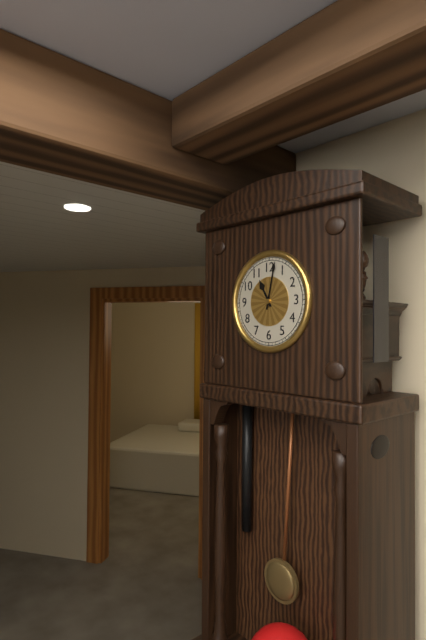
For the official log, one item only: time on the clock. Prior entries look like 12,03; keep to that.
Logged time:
11,02
